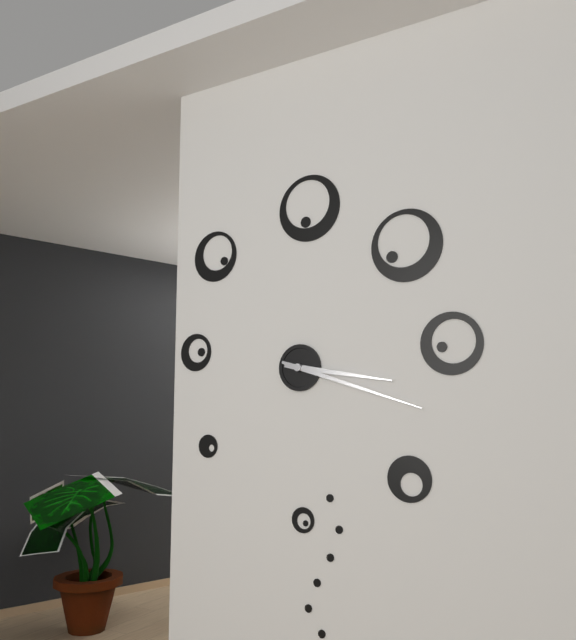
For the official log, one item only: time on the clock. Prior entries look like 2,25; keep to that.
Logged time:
3,18
